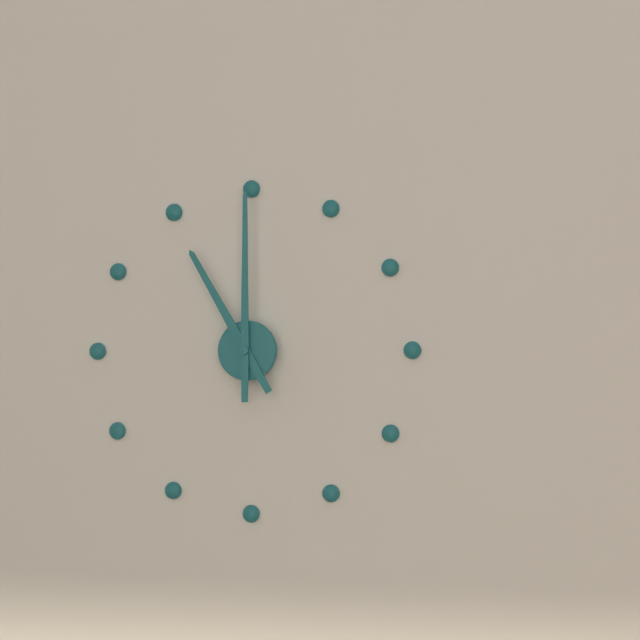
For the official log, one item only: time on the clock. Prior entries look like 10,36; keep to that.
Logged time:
11,00
